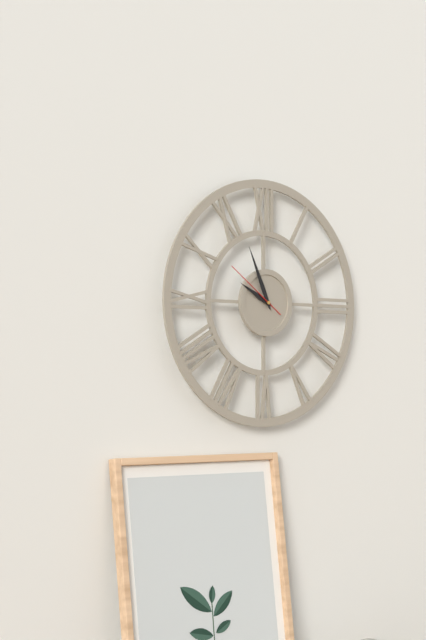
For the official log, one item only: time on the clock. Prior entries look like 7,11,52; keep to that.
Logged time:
9,56,51
